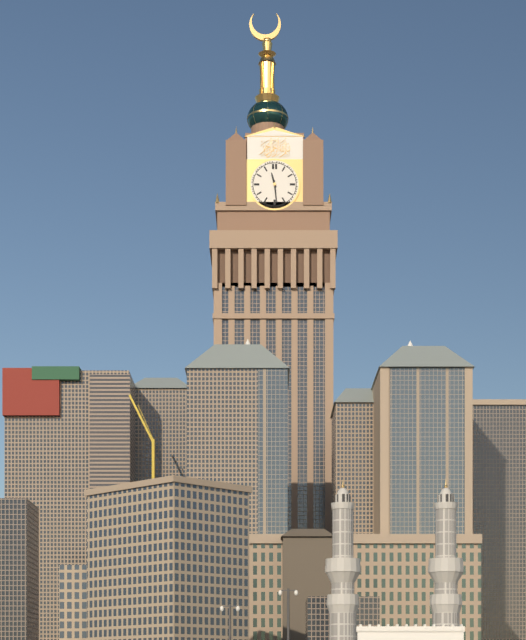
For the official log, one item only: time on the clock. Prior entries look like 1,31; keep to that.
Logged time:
11,29
